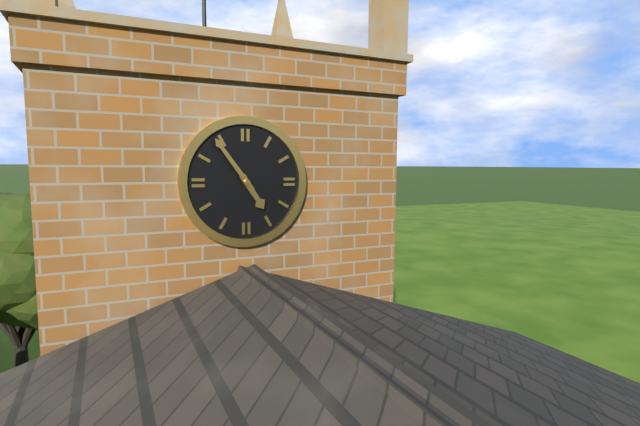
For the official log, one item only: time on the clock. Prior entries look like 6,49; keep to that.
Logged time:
4,54
